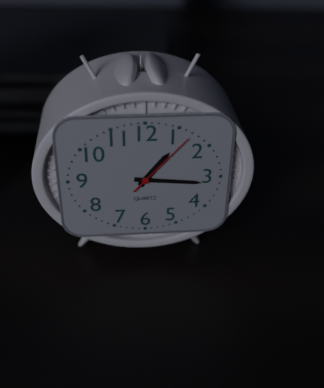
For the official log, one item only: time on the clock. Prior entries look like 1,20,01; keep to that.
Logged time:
1,16,07
